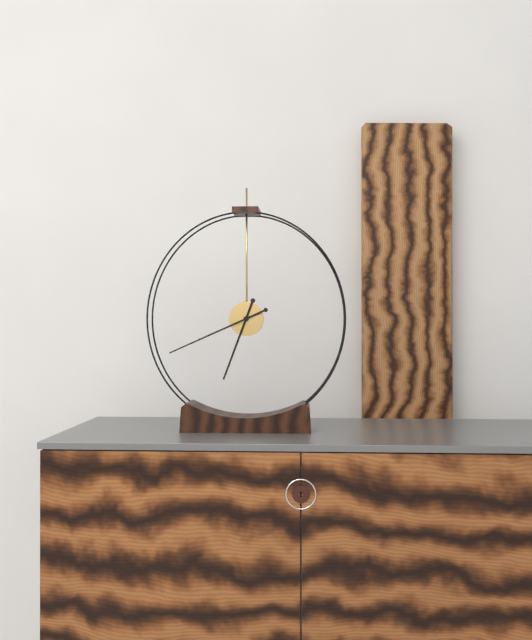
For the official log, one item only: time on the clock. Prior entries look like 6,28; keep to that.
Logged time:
6,41
